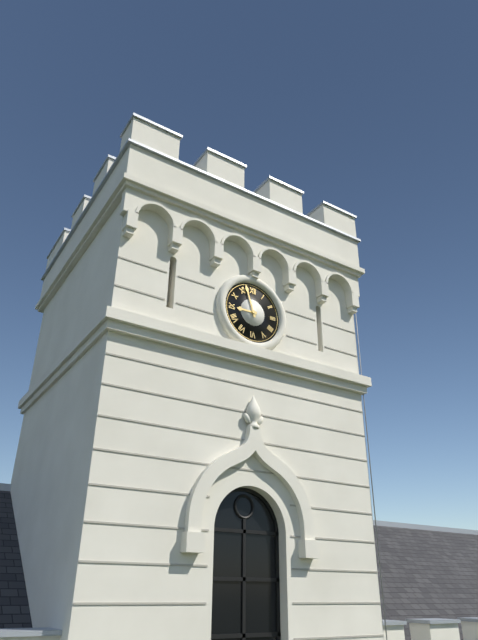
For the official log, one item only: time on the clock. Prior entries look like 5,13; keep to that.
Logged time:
8,57
